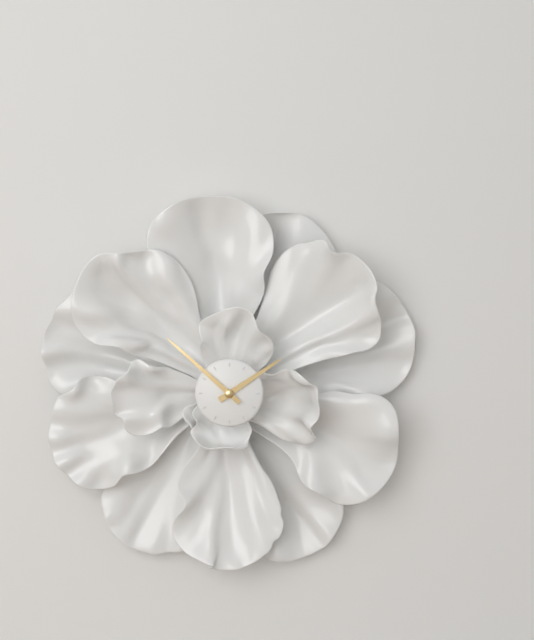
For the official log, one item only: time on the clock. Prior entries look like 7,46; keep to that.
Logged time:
1,52
